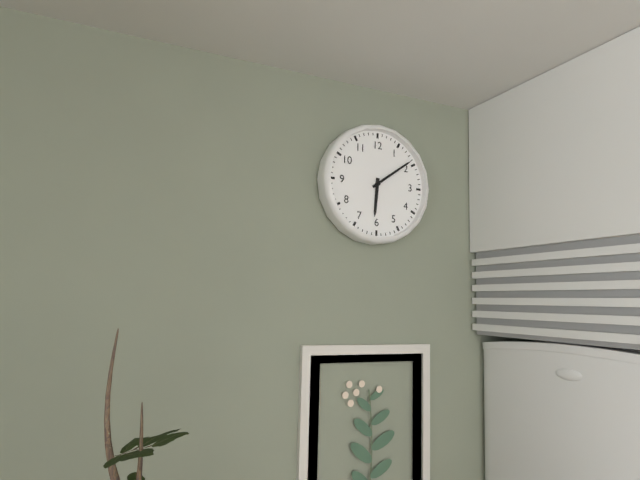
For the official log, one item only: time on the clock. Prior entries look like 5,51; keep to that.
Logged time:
6,09
